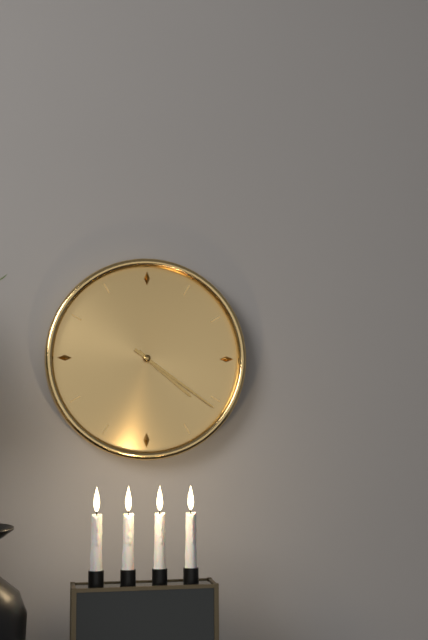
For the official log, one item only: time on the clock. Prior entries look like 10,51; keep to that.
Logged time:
4,21
